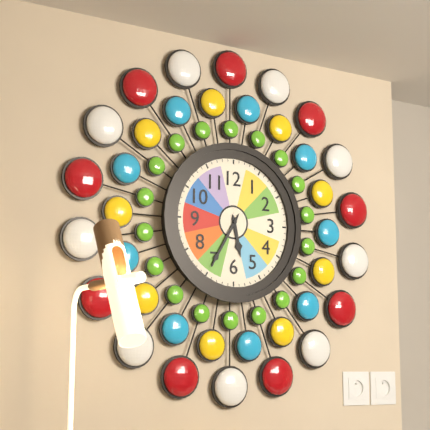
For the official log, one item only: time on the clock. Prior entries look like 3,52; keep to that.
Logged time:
5,35
